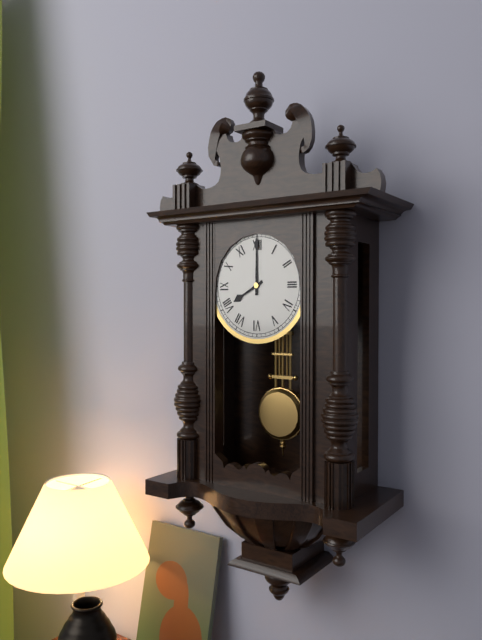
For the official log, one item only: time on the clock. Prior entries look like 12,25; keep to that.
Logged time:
8,00
